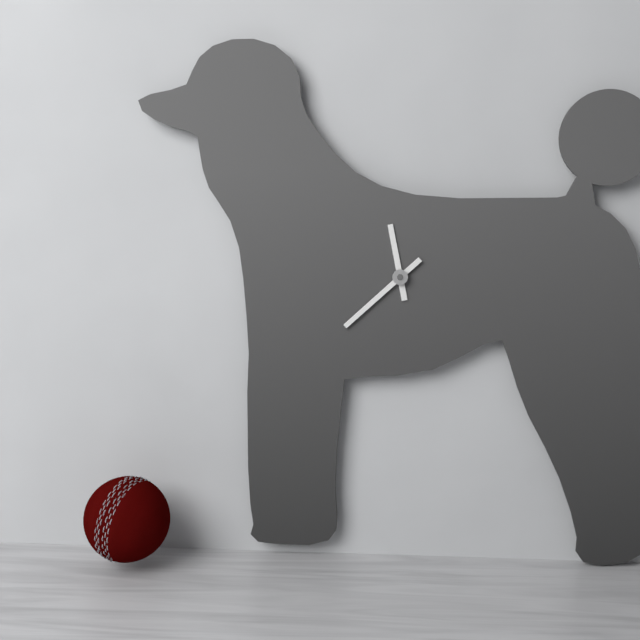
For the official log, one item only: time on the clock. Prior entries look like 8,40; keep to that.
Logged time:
11,38
